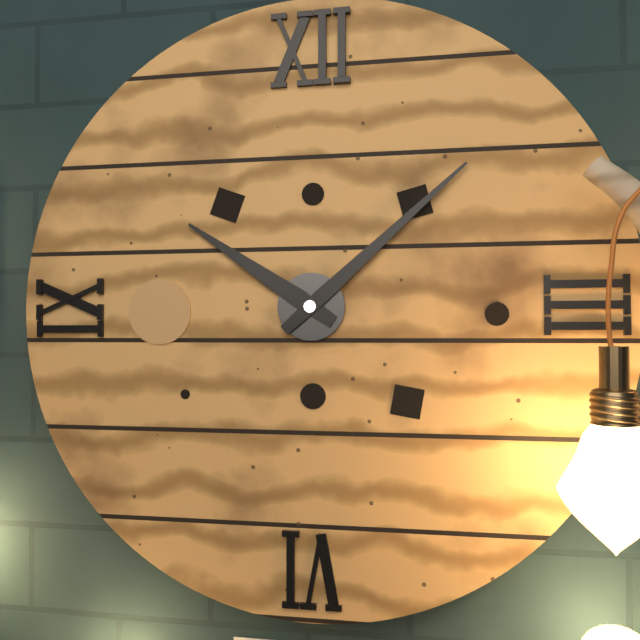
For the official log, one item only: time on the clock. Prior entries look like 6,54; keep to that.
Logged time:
10,08
